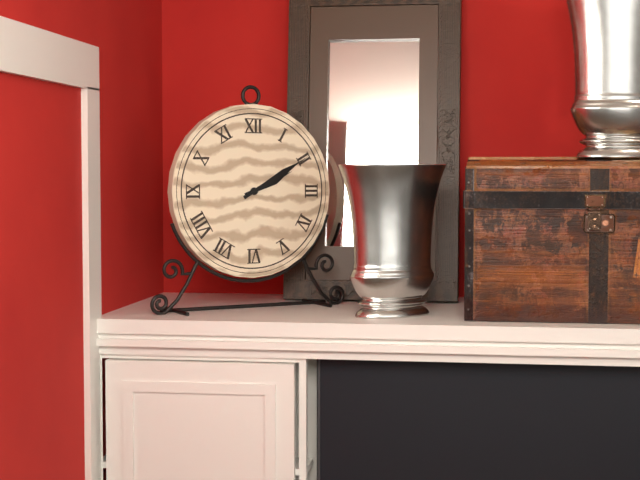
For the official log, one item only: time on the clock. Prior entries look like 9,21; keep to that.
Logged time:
2,10
